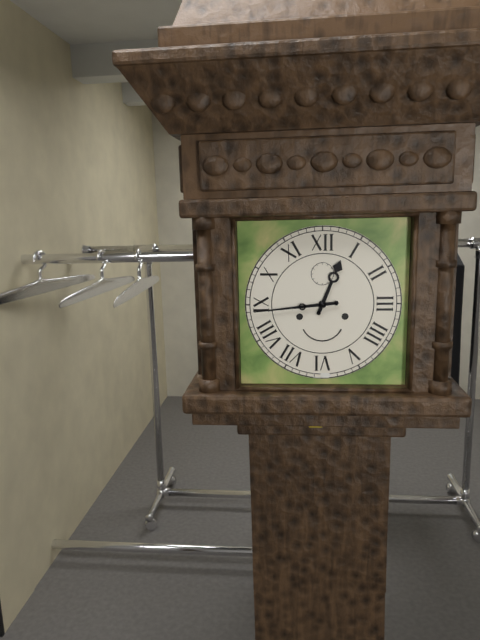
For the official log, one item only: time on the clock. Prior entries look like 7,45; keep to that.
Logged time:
12,44
